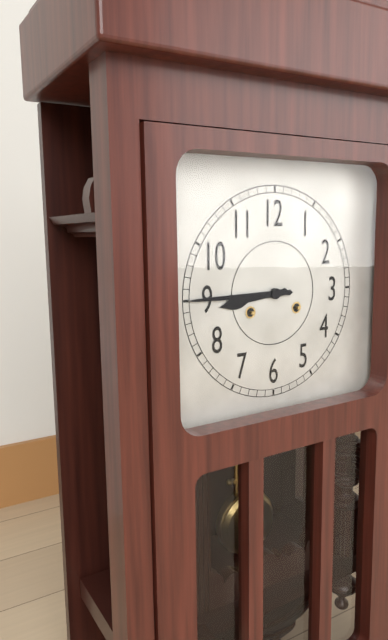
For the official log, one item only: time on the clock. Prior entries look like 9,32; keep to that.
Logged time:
8,45
